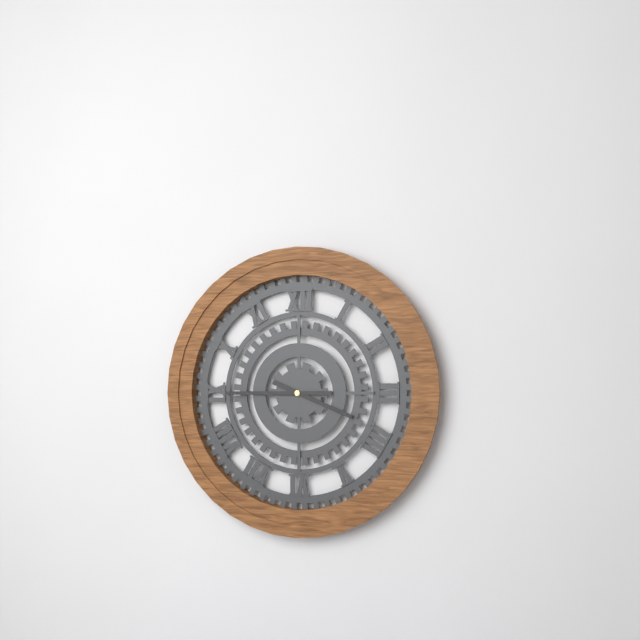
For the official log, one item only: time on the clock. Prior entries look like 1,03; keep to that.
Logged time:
3,45
